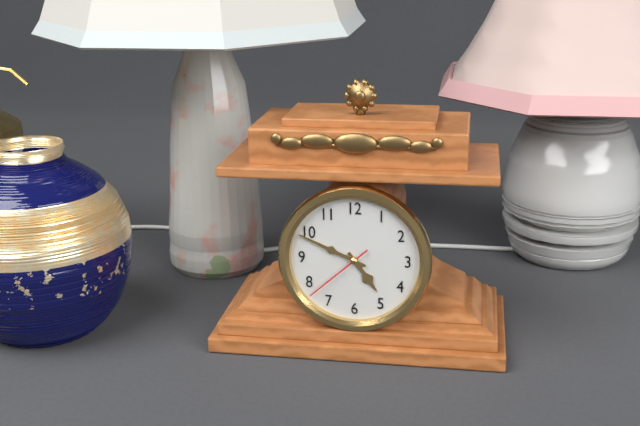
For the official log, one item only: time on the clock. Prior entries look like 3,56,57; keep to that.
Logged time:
4,49,38
